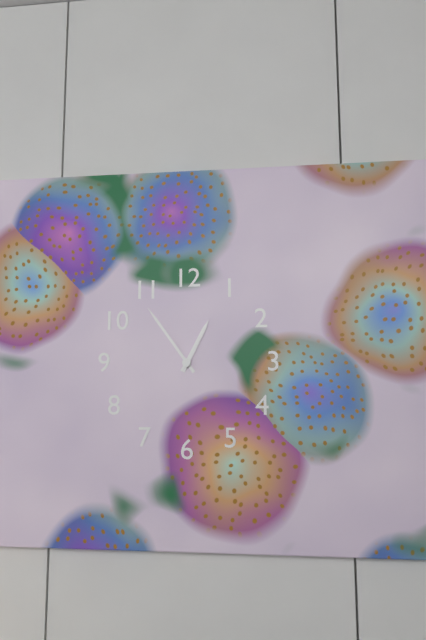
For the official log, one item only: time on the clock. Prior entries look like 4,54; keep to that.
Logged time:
12,54
